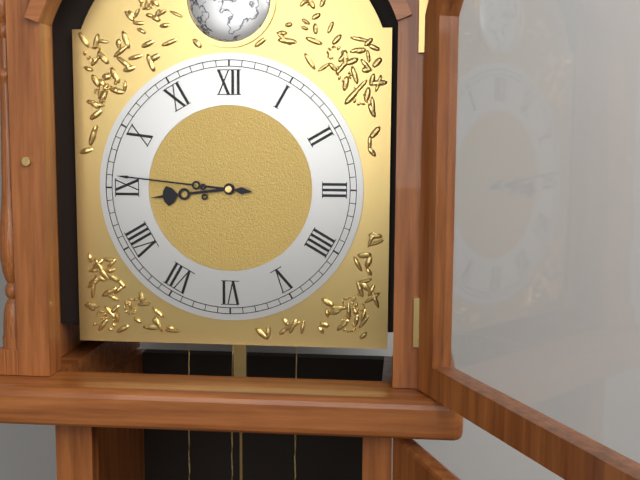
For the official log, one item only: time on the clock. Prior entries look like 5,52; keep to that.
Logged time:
8,46
